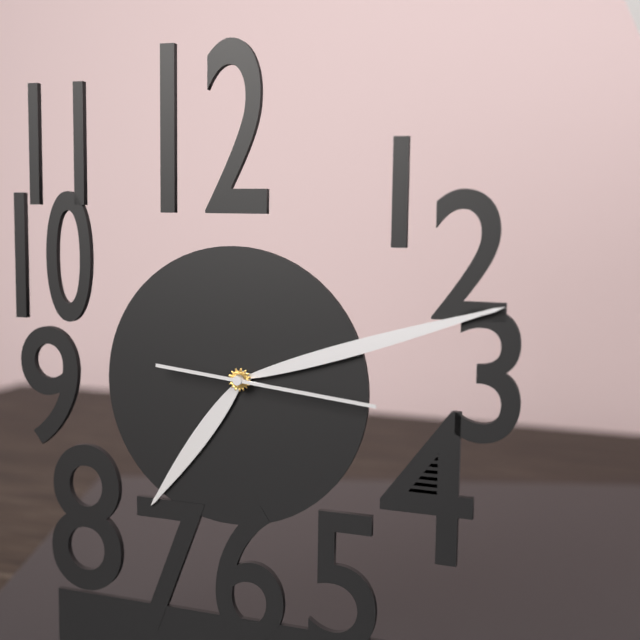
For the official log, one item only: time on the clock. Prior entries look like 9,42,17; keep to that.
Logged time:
7,12,16
